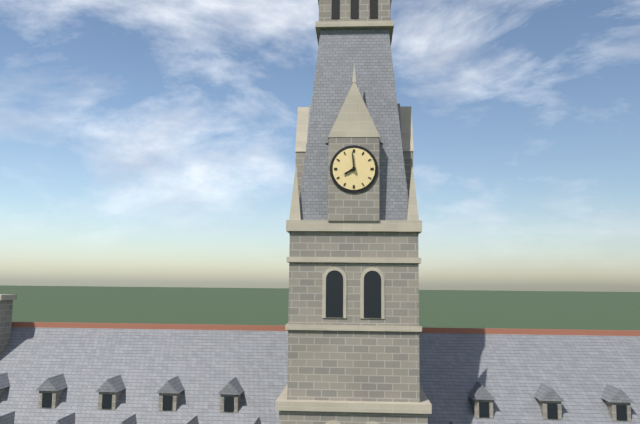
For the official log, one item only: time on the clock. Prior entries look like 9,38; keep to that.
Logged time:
7,59
